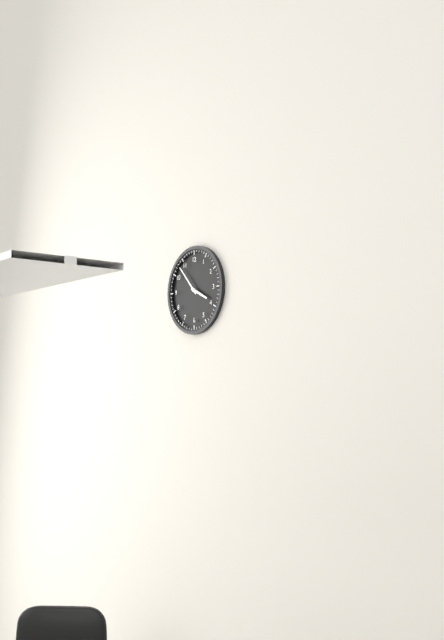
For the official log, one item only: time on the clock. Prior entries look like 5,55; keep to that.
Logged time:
3,53
